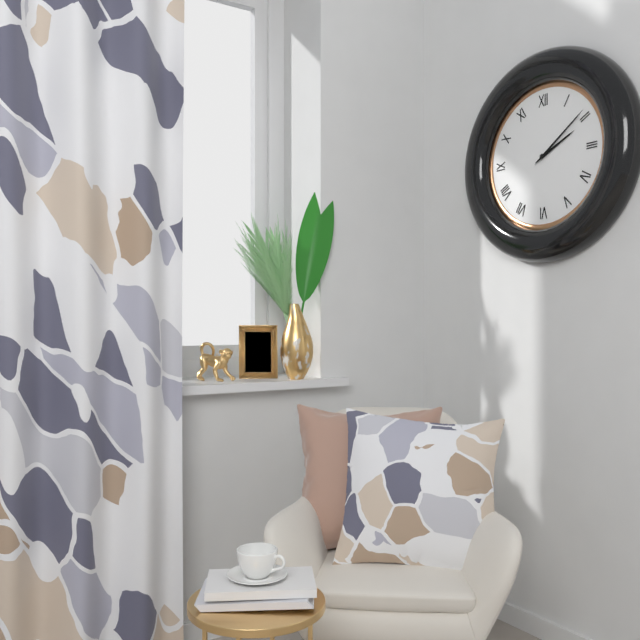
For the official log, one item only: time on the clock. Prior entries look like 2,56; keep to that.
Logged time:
2,09
